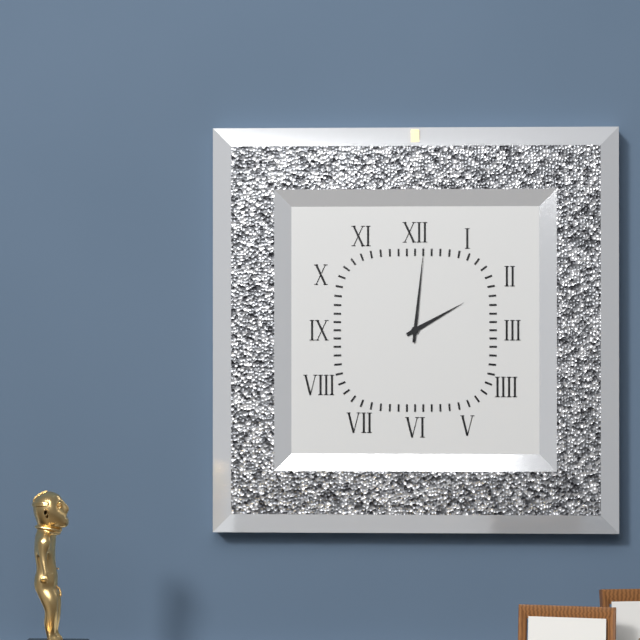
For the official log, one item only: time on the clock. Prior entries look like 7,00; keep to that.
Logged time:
2,01
